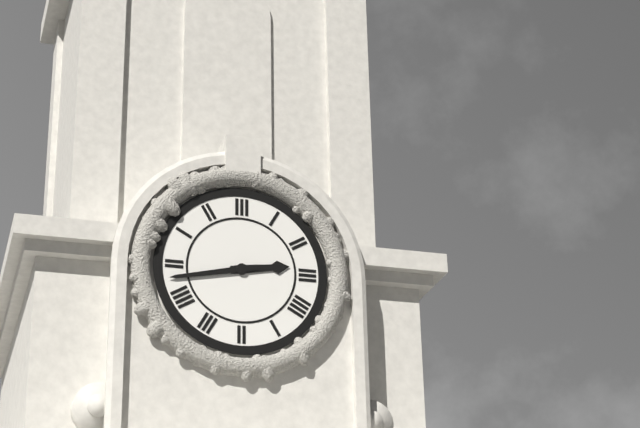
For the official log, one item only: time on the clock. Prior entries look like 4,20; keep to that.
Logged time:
2,43
